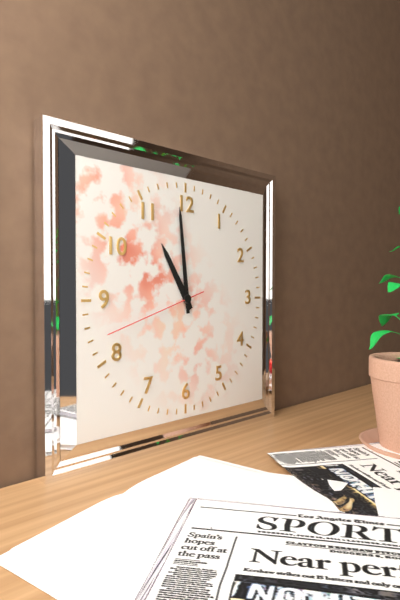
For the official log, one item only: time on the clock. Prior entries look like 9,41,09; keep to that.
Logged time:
10,59,42
